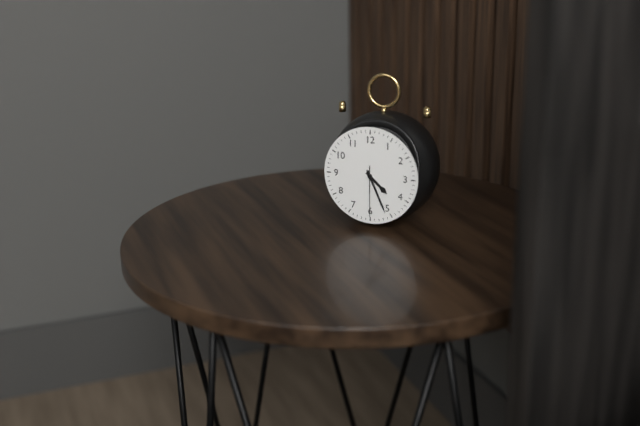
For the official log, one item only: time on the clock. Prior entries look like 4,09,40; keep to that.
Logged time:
4,26,30
